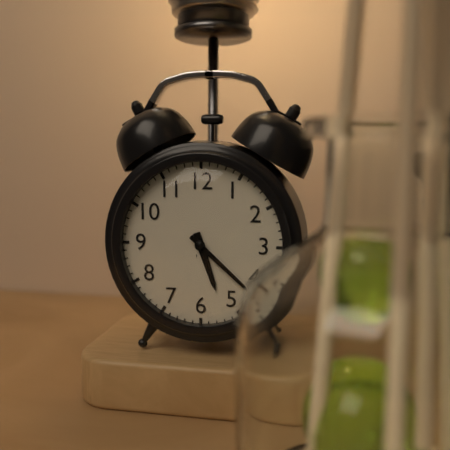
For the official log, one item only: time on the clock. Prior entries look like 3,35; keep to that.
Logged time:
5,22
